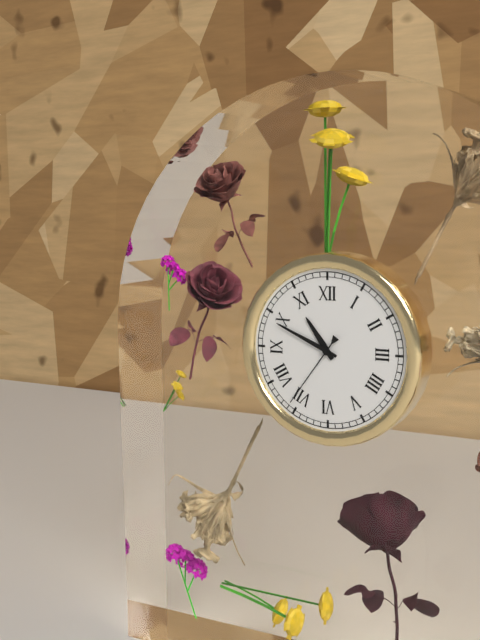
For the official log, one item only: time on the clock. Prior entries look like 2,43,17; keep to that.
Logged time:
10,49,36
